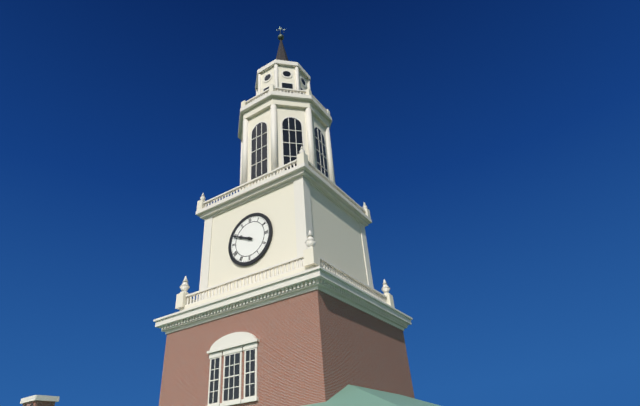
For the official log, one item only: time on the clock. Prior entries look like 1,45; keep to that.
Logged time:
9,49
